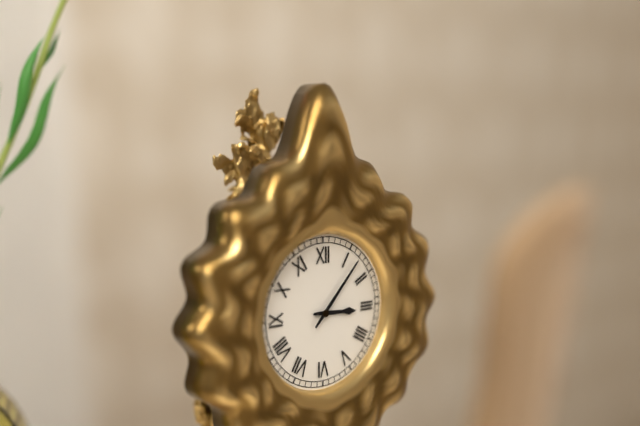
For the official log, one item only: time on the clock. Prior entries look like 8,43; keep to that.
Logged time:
3,07
